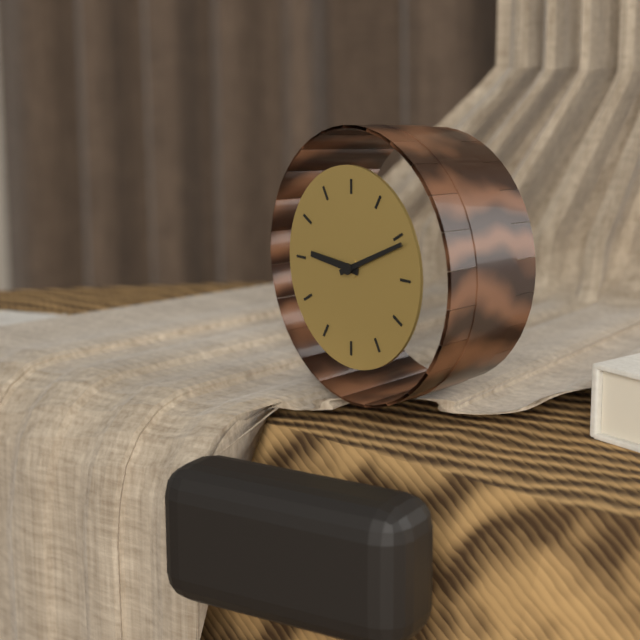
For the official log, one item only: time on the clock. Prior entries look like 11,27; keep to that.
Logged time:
9,11
